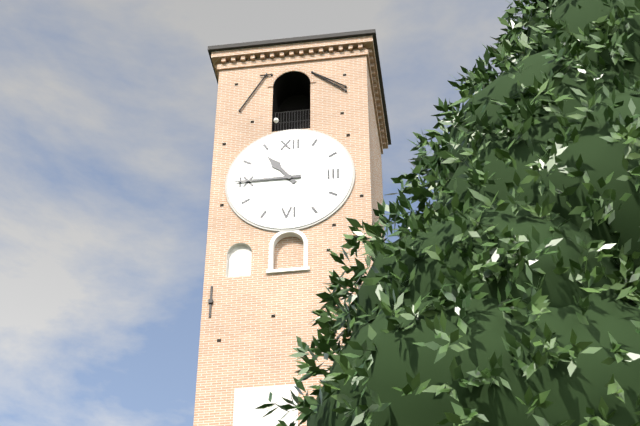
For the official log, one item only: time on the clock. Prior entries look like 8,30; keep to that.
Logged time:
10,45
